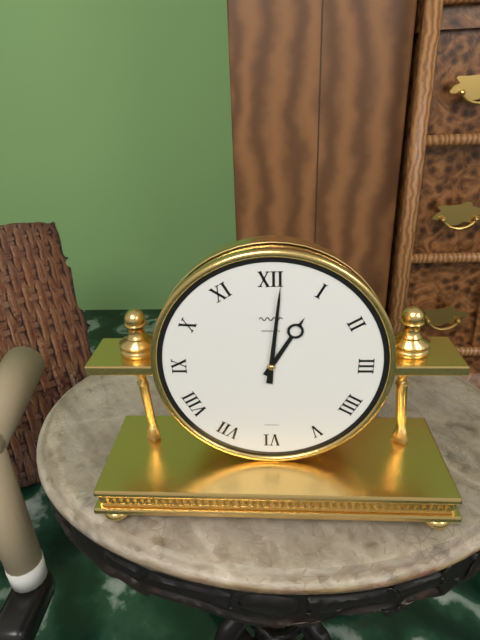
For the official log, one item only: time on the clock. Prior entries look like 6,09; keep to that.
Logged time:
1,01
